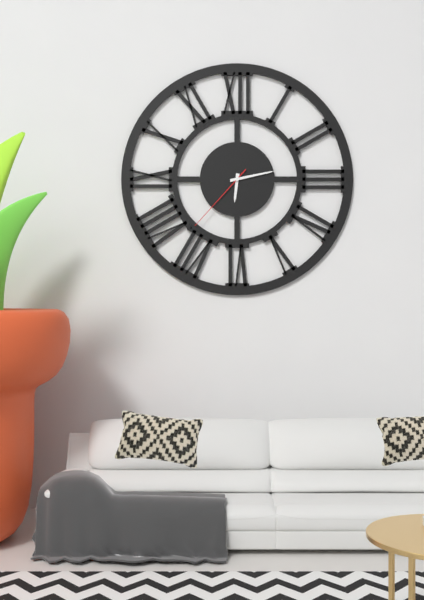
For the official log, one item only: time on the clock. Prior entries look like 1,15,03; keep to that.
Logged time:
6,13,37
